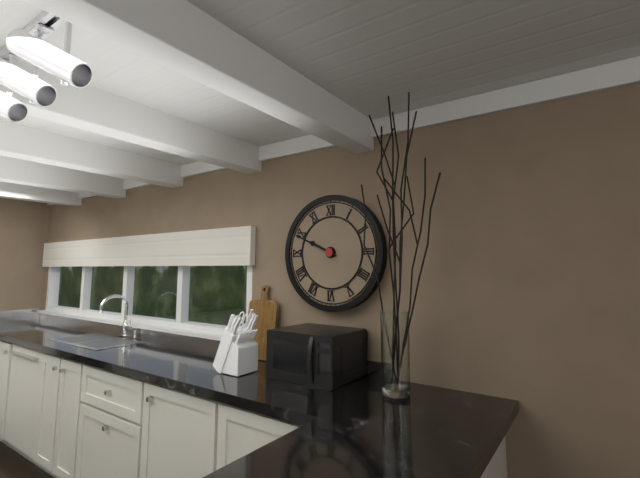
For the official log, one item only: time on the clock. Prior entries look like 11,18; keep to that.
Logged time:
9,49
